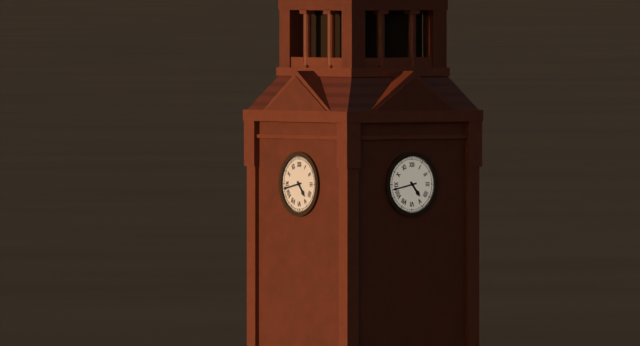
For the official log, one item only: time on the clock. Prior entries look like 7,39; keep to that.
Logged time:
4,43
